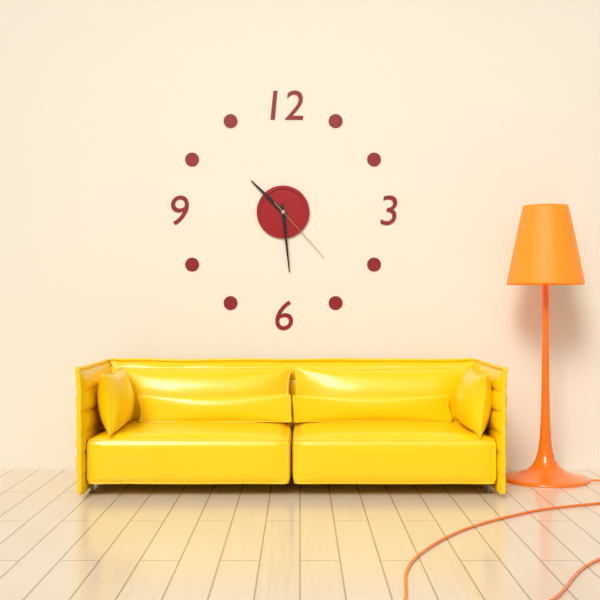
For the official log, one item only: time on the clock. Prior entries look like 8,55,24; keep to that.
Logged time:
10,29,23
